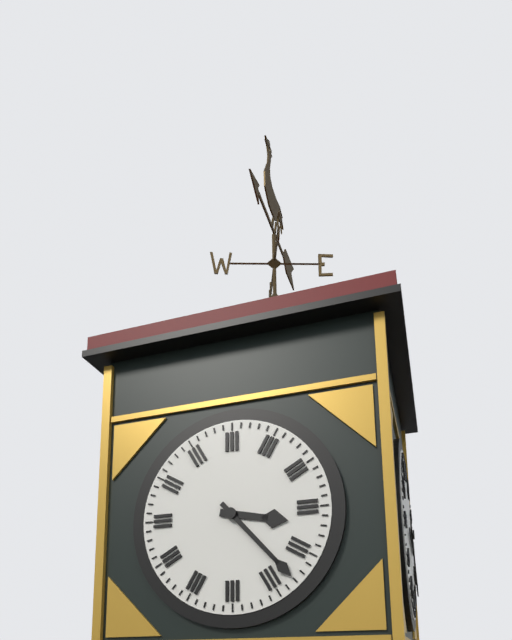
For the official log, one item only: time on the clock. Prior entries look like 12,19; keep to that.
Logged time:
3,23
